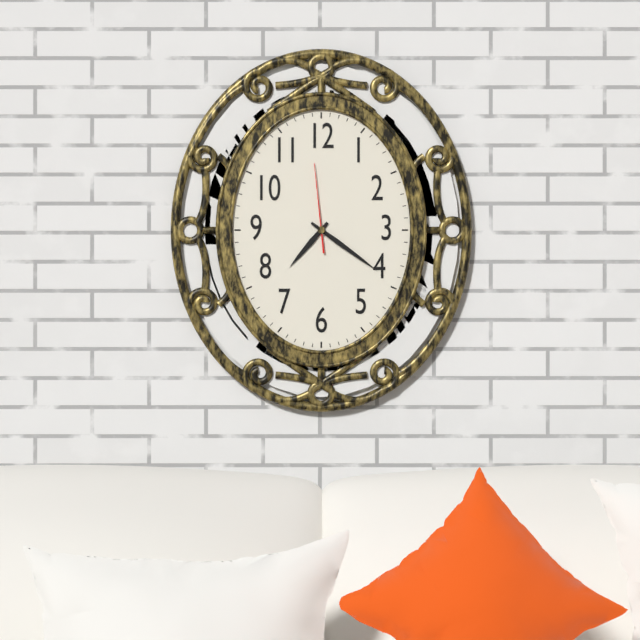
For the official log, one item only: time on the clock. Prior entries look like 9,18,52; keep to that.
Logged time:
7,21,59
